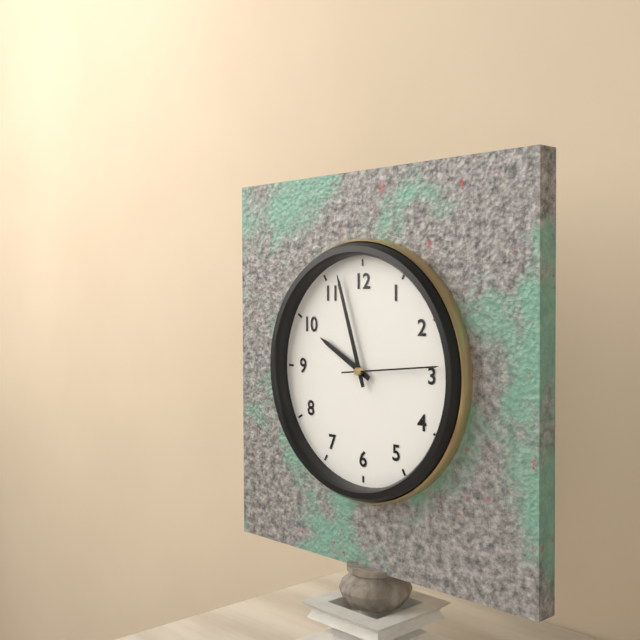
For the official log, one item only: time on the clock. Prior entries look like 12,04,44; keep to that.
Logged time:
9,57,14
